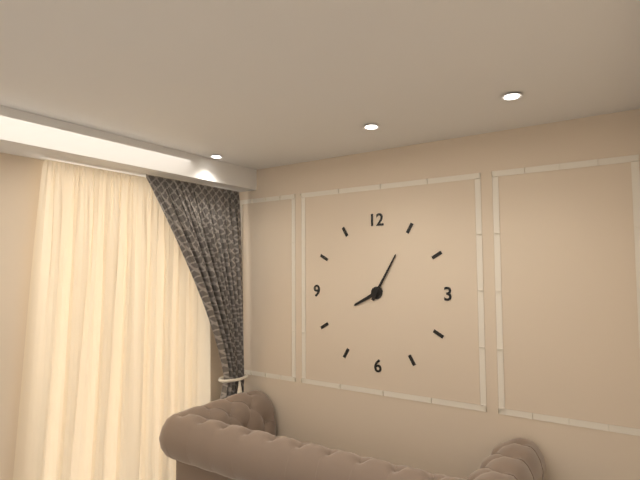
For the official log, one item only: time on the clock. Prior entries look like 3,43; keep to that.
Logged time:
8,05
